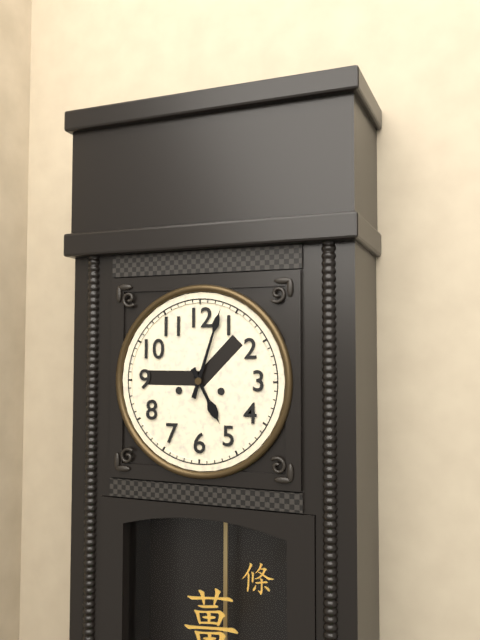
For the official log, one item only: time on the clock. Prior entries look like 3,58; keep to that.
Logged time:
5,03
